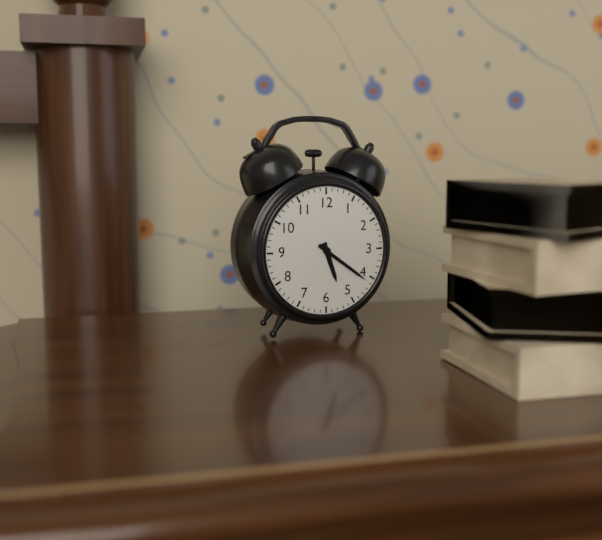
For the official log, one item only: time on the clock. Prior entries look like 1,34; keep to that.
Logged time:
5,21
